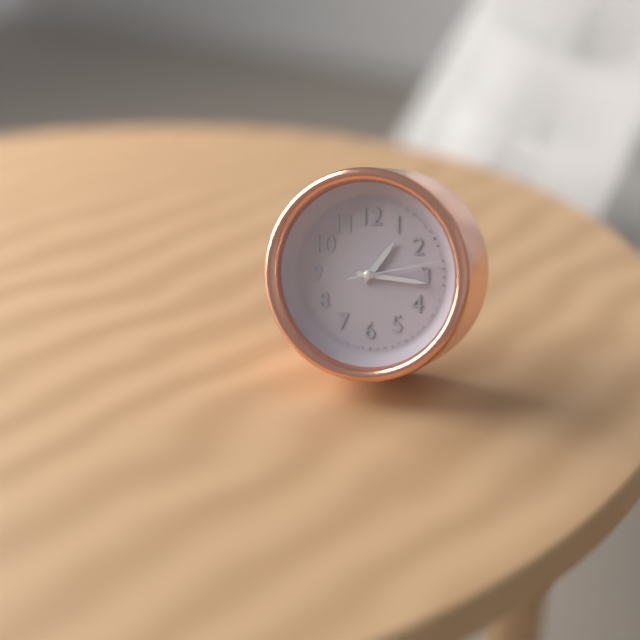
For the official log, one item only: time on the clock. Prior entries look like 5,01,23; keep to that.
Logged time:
1,16,13
